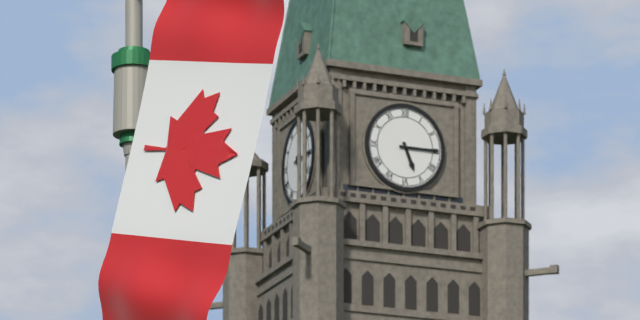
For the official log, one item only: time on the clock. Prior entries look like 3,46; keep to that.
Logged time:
5,15
